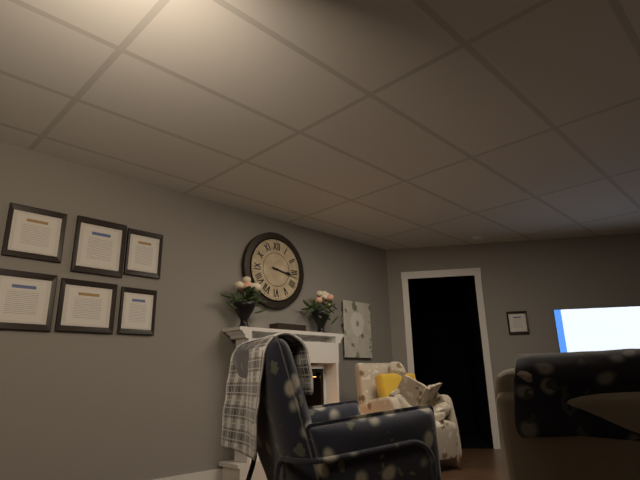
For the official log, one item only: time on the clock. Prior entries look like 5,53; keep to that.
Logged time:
3,17
